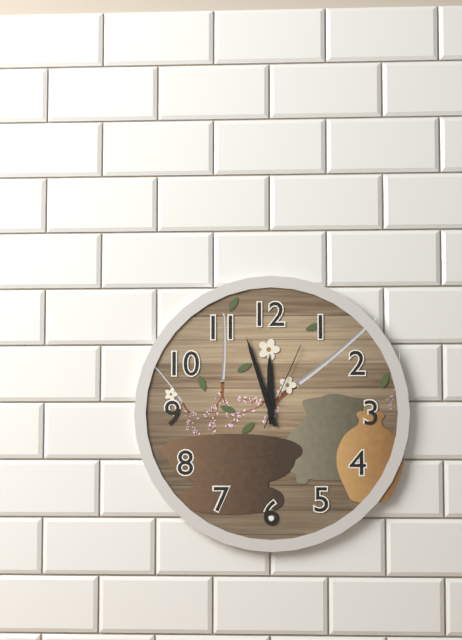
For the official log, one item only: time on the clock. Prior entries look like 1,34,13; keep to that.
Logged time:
11,57,04
